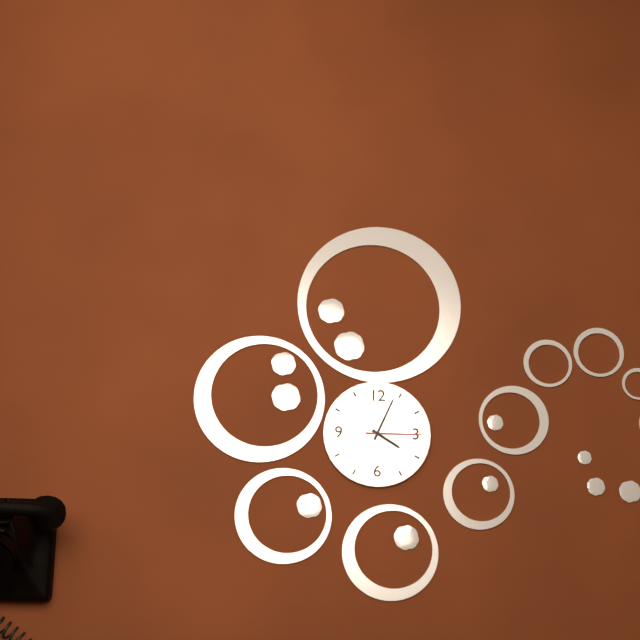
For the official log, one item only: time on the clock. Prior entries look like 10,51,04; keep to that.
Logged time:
4,04,15
